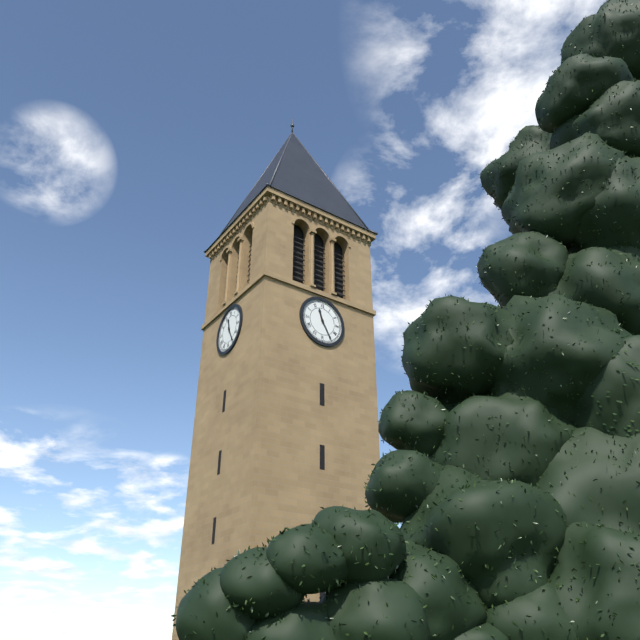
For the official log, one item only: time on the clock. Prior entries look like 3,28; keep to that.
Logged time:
11,25
